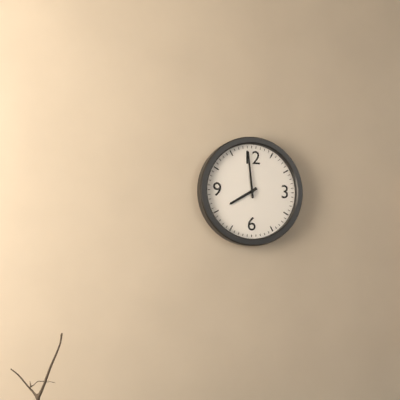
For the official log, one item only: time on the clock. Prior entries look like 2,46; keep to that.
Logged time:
7,59
